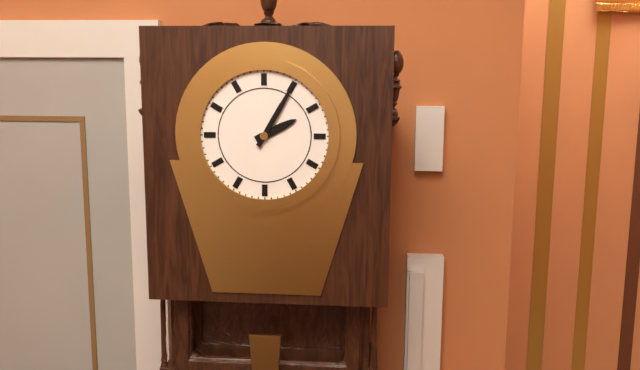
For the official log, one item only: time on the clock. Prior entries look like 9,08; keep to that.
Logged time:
2,05
